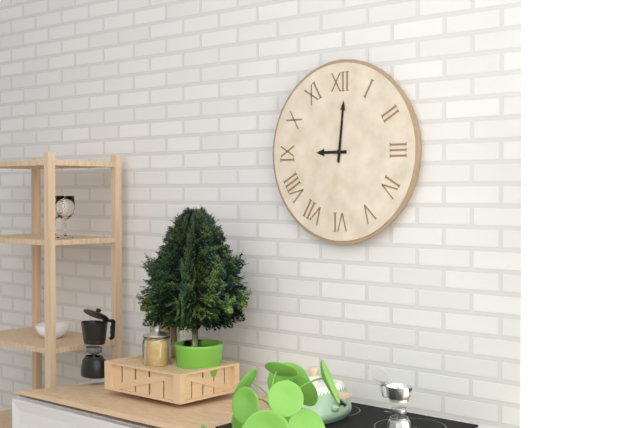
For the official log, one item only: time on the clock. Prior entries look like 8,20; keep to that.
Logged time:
9,01
